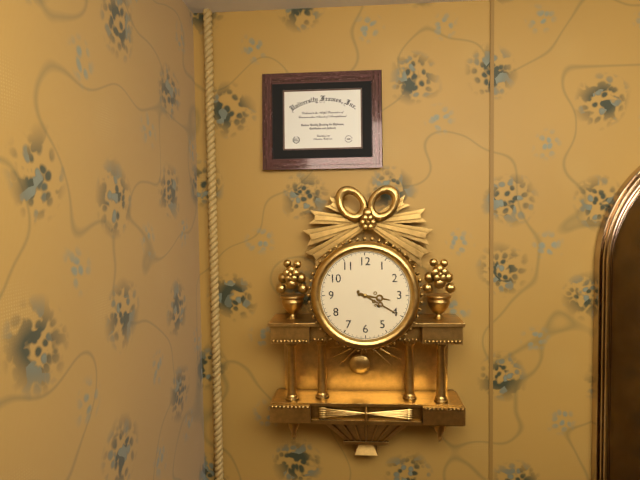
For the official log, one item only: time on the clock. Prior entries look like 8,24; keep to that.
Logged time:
3,20
